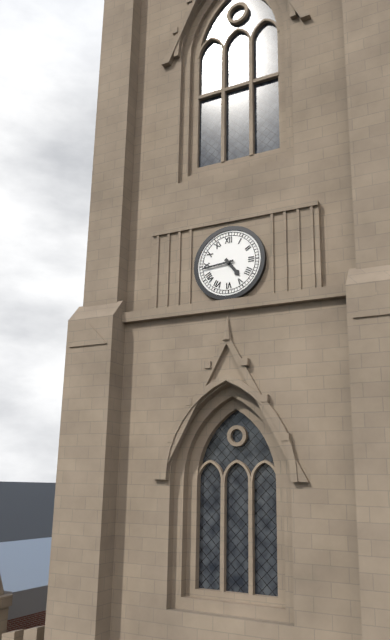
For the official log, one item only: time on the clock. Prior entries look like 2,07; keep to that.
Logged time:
4,44
